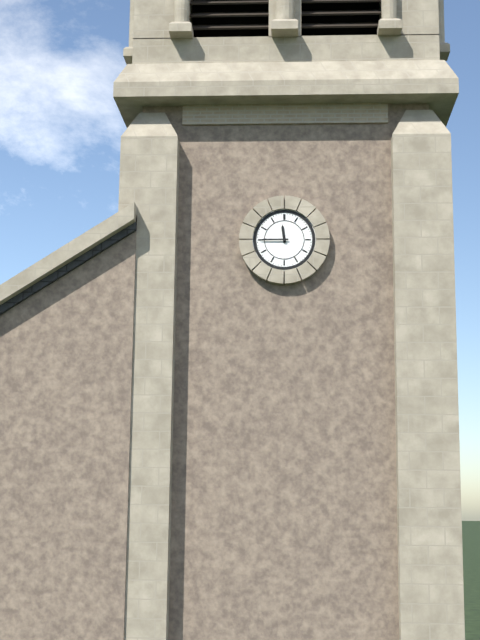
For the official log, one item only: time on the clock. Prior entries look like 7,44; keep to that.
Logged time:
11,45
